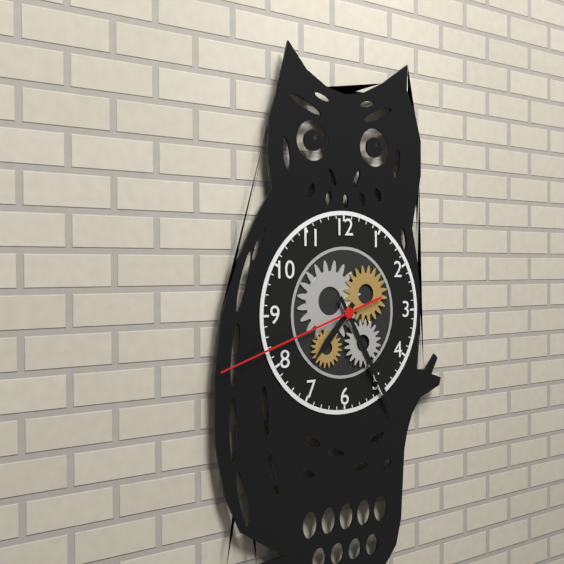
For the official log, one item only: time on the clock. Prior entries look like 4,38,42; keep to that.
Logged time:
7,25,42
